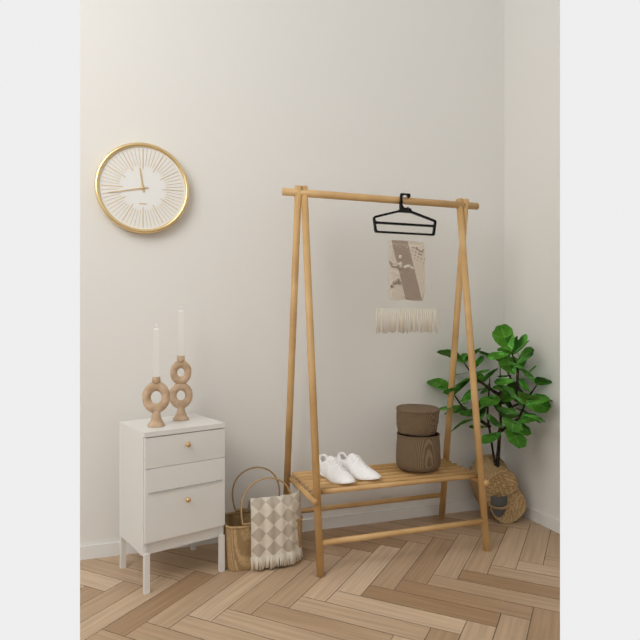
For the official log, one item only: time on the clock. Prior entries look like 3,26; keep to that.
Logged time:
11,43
